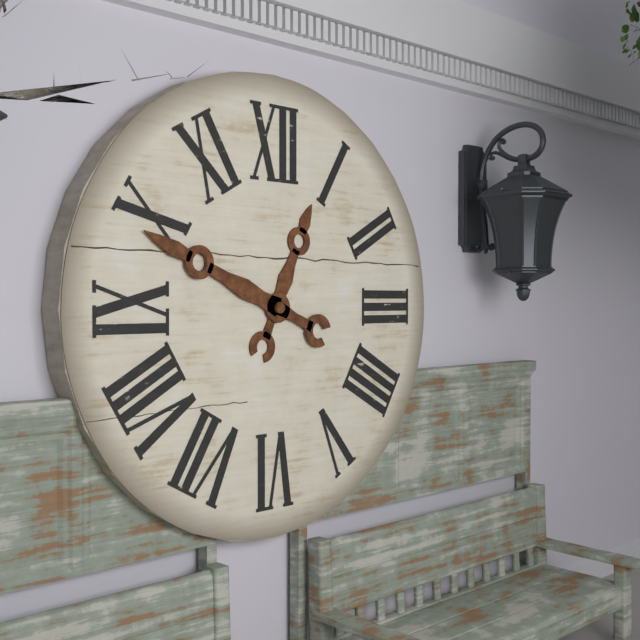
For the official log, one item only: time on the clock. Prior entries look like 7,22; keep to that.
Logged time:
12,49
